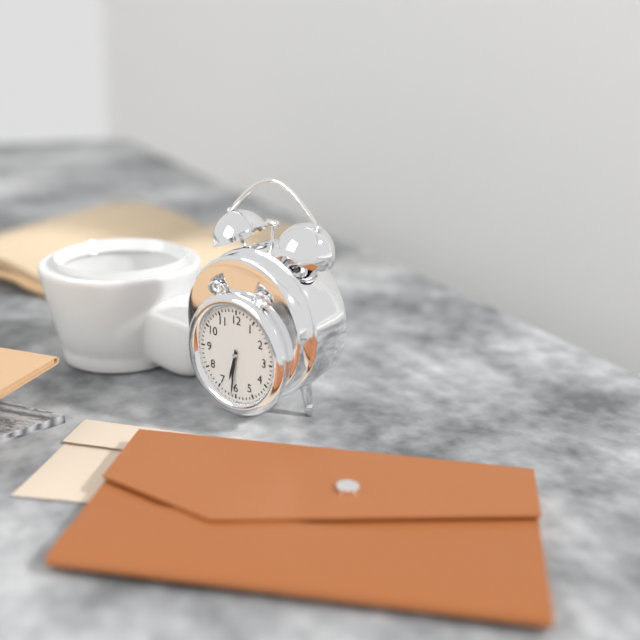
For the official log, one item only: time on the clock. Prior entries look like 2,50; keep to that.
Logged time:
6,31
